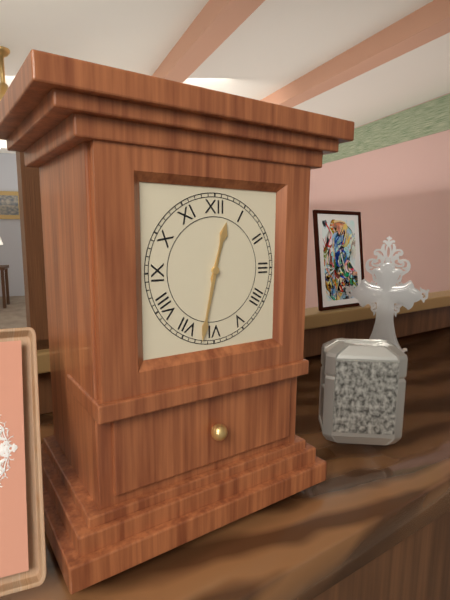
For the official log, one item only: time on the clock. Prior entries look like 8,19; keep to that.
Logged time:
12,32
